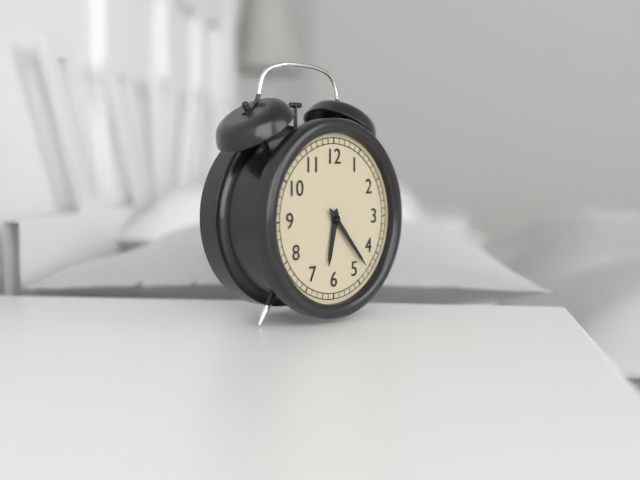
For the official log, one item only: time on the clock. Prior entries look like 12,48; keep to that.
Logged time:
6,23
